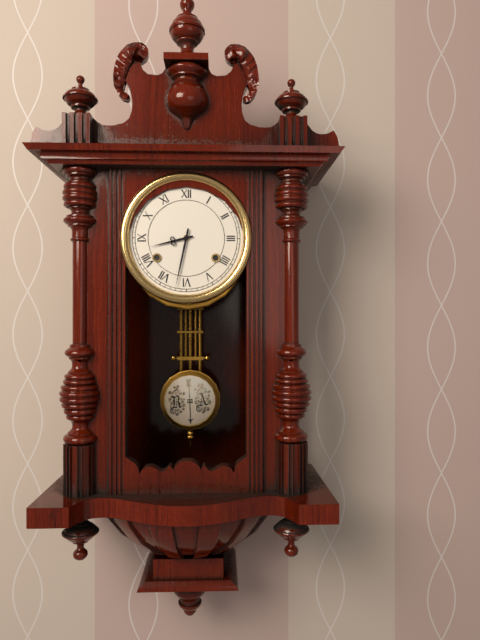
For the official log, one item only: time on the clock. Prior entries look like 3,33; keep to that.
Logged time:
8,32
